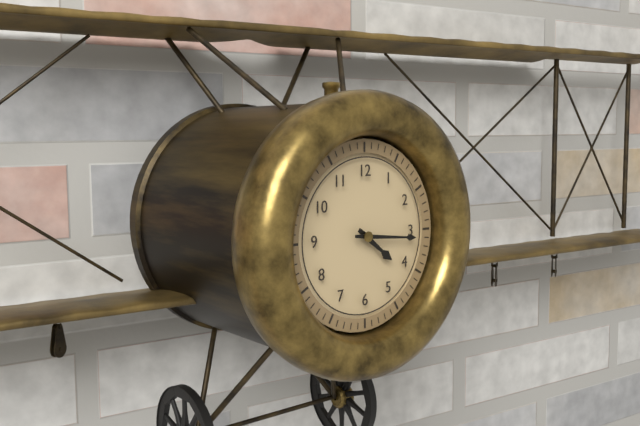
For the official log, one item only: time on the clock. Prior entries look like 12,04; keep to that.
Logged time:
4,16
